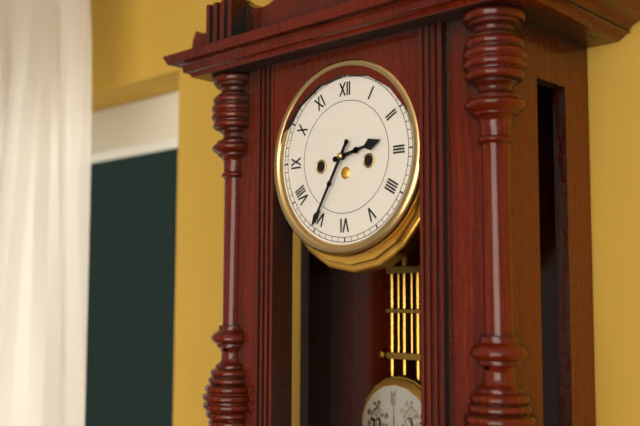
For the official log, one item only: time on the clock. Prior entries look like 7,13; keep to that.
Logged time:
2,35
